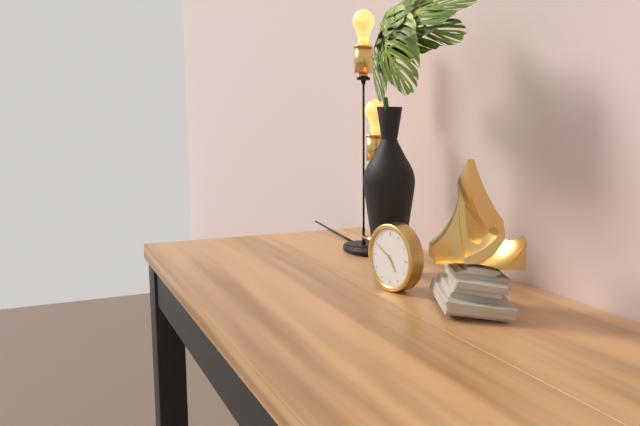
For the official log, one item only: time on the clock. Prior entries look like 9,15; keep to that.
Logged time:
4,50
